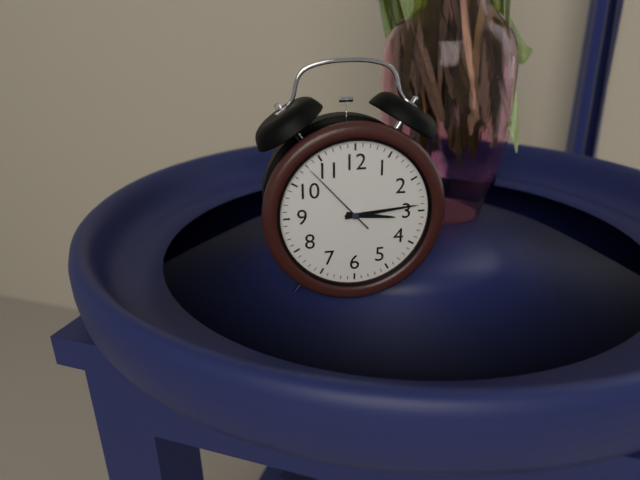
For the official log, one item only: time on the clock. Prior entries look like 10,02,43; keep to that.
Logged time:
3,14,53
